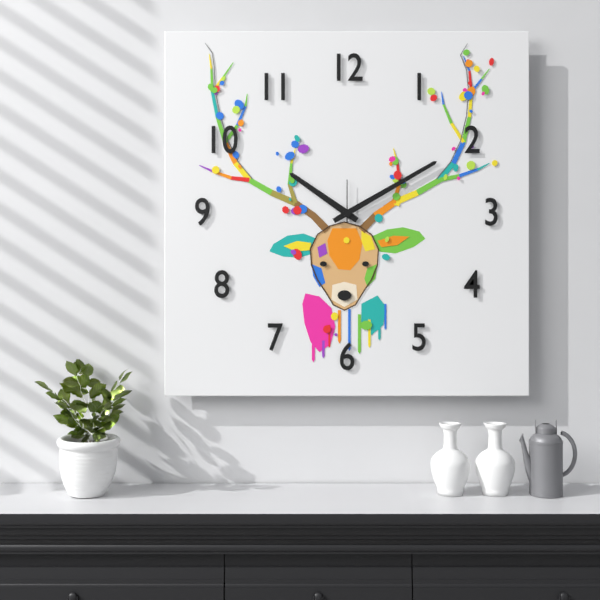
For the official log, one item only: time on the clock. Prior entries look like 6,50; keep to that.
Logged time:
10,10
